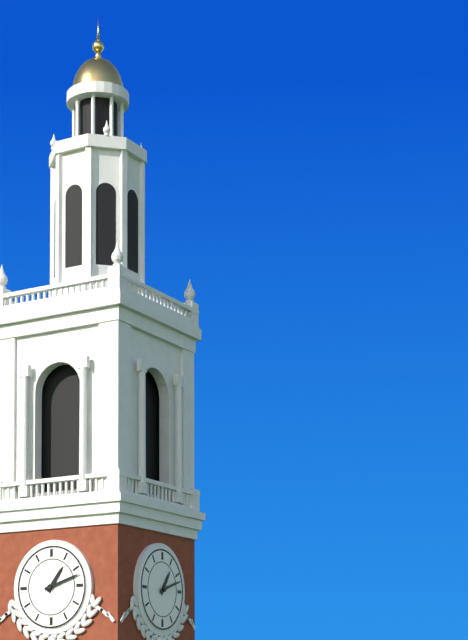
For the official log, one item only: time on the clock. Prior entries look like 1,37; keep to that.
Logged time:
1,12
